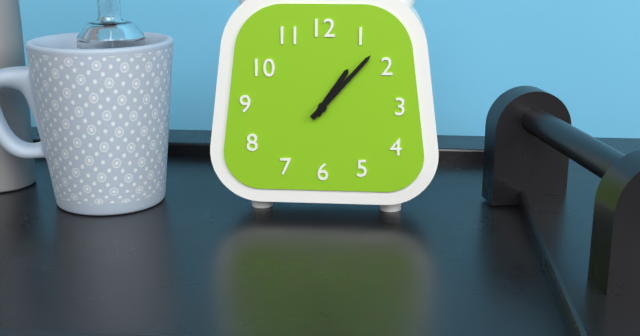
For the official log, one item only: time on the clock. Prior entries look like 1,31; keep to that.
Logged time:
1,07
